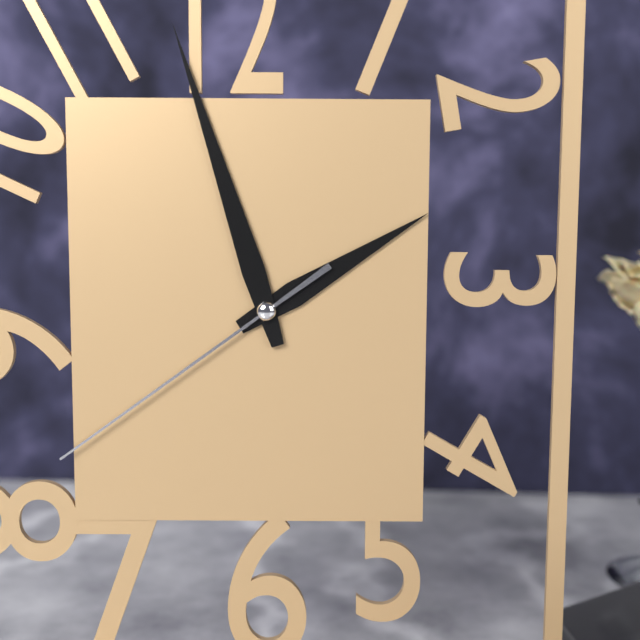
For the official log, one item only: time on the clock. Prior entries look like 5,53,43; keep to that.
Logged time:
1,57,39
